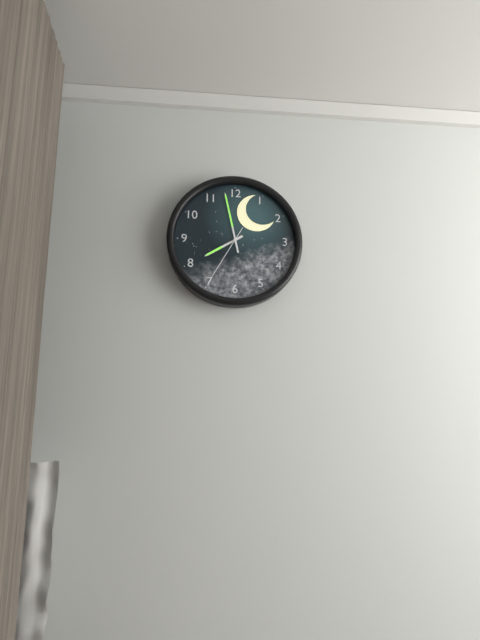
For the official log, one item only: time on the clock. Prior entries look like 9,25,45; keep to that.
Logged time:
7,58,35
